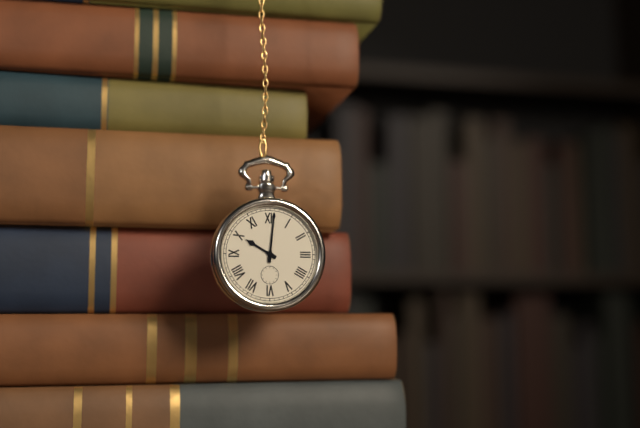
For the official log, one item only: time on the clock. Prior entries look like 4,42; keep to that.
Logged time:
10,01
